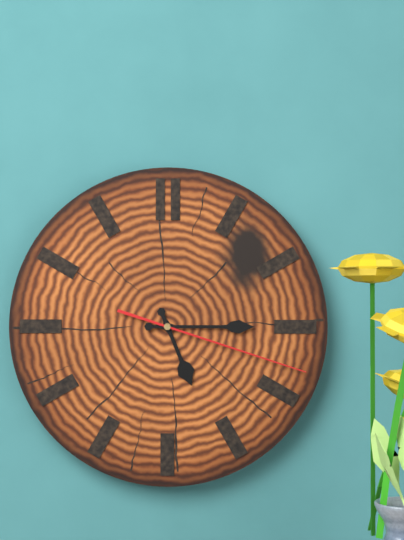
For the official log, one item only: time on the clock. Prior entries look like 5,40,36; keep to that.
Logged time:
5,15,18
